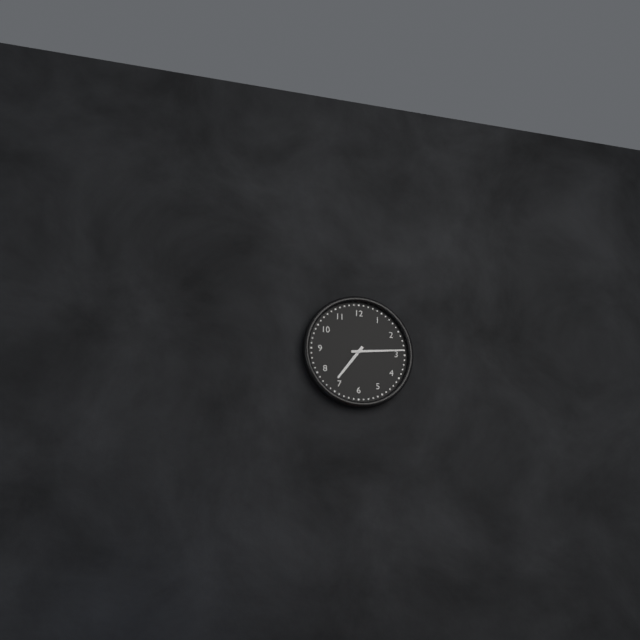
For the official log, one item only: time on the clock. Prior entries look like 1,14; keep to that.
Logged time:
7,14
